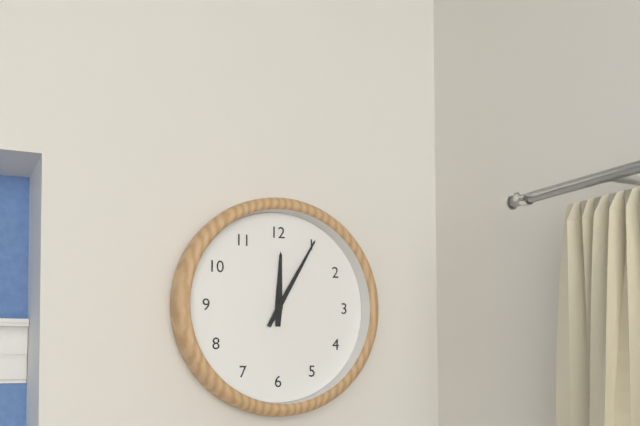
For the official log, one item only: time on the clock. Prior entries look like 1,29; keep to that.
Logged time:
12,05
